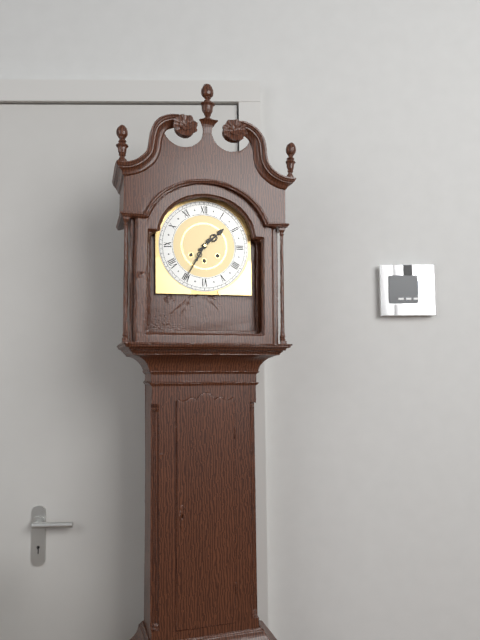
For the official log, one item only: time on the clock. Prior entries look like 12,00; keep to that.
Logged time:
1,35
